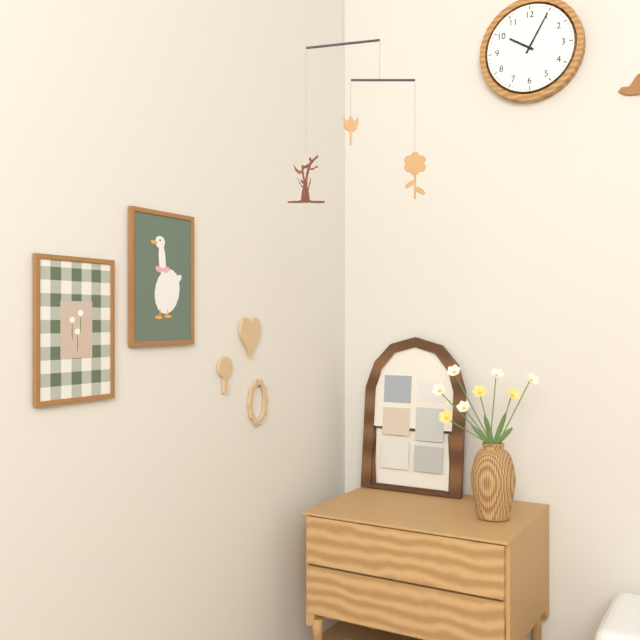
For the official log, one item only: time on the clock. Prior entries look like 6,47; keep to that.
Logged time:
10,05
